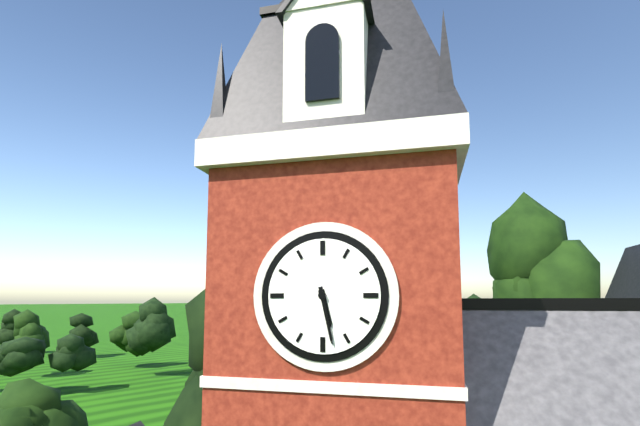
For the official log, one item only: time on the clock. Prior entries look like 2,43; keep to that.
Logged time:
5,28
